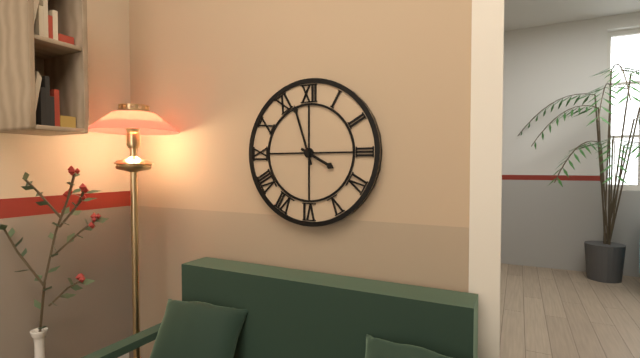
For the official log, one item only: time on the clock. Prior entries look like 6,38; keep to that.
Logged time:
3,57
